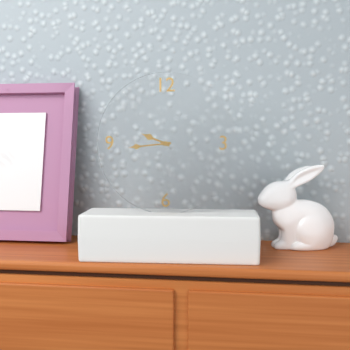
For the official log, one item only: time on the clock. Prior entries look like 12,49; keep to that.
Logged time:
9,44
